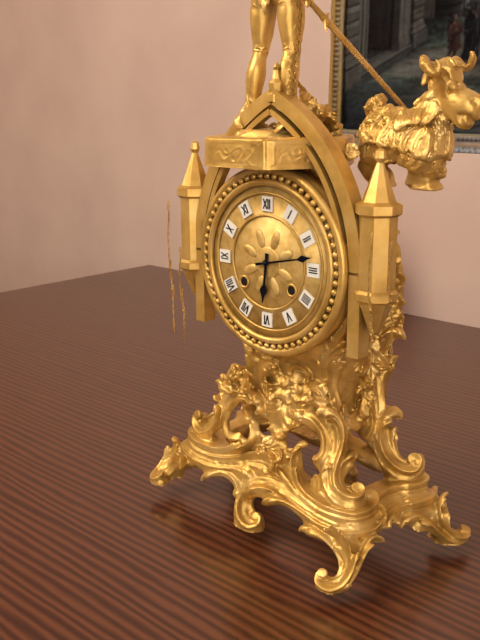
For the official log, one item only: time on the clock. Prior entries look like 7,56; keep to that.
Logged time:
6,13
